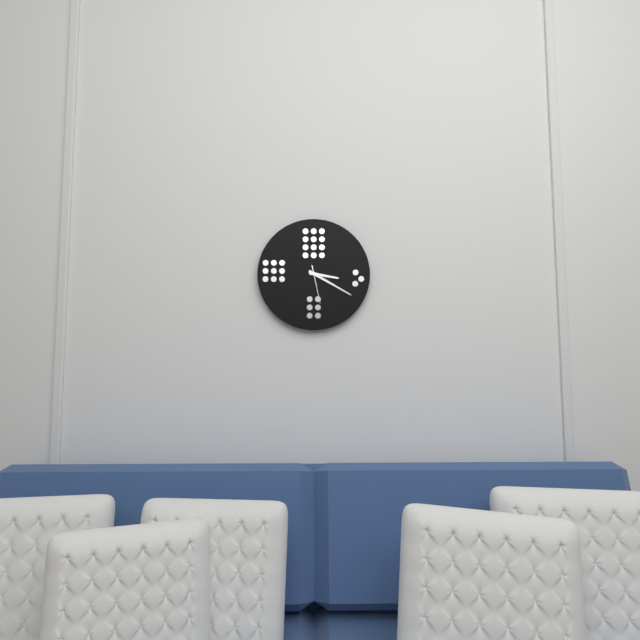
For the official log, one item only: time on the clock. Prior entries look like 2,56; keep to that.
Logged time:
3,20
